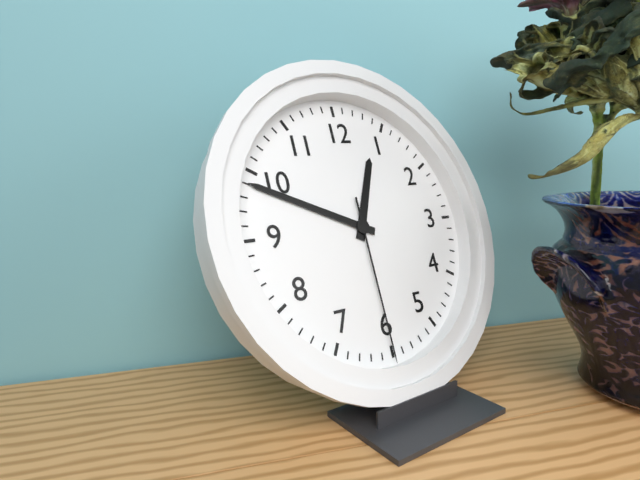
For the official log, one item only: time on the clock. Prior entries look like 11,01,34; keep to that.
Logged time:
12,49,30
